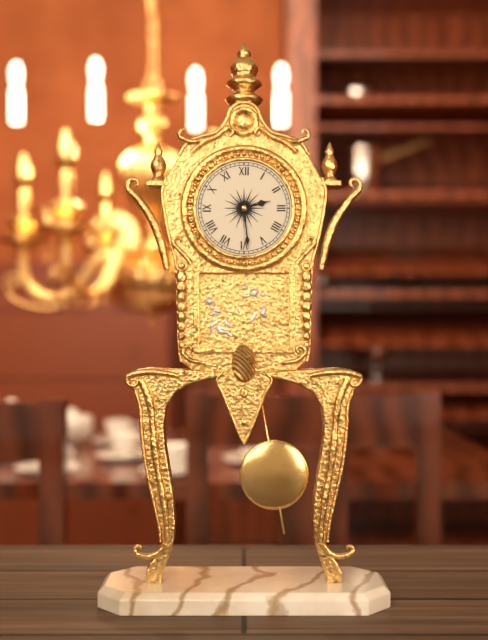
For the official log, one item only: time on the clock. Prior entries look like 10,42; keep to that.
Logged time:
2,29
